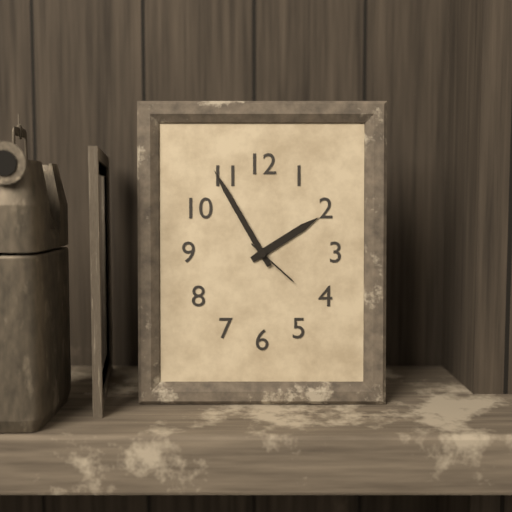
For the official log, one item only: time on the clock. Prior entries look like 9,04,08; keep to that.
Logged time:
1,55,22
